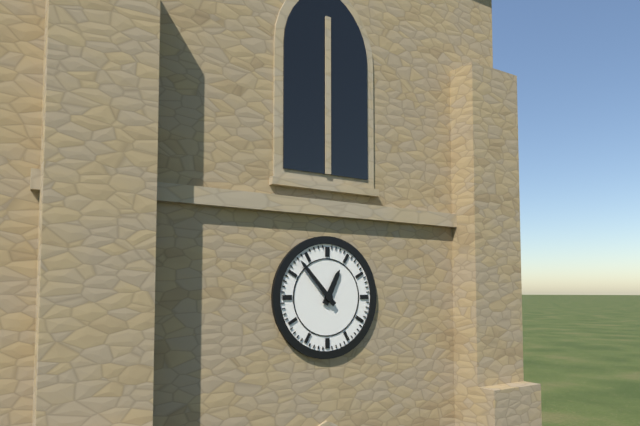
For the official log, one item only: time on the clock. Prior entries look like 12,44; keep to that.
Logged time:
12,53
